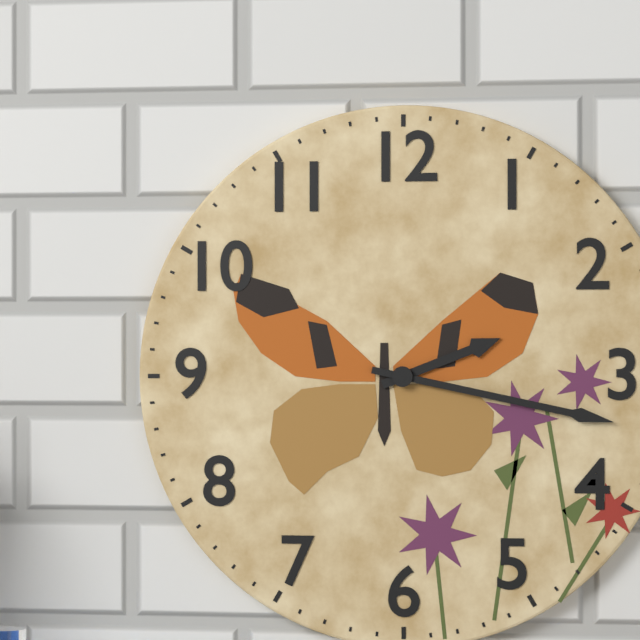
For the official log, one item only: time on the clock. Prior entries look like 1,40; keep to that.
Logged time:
2,17
